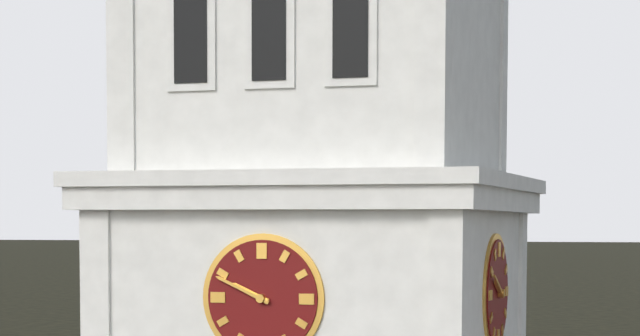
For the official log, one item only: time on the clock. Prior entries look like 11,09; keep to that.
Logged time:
9,49
